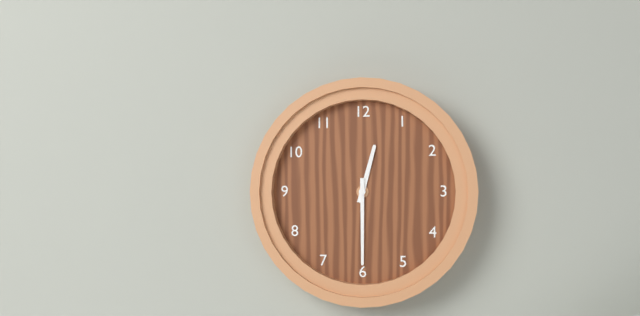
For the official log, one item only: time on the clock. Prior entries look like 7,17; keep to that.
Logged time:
12,30
